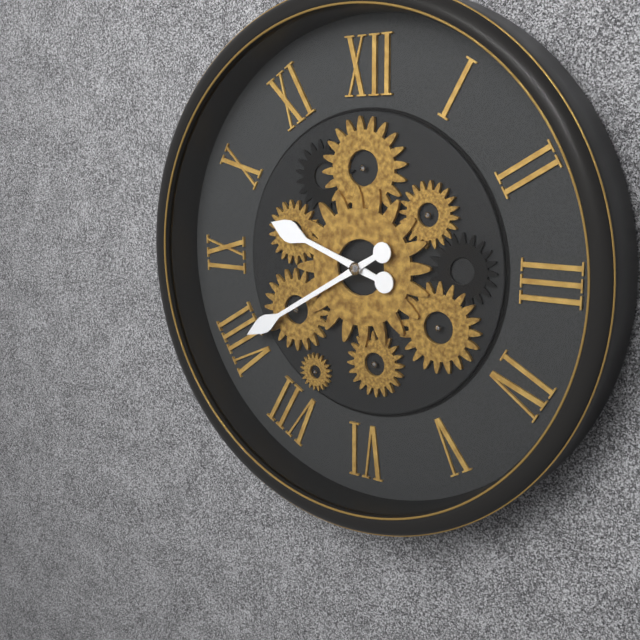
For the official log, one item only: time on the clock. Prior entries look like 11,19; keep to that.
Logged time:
9,40
